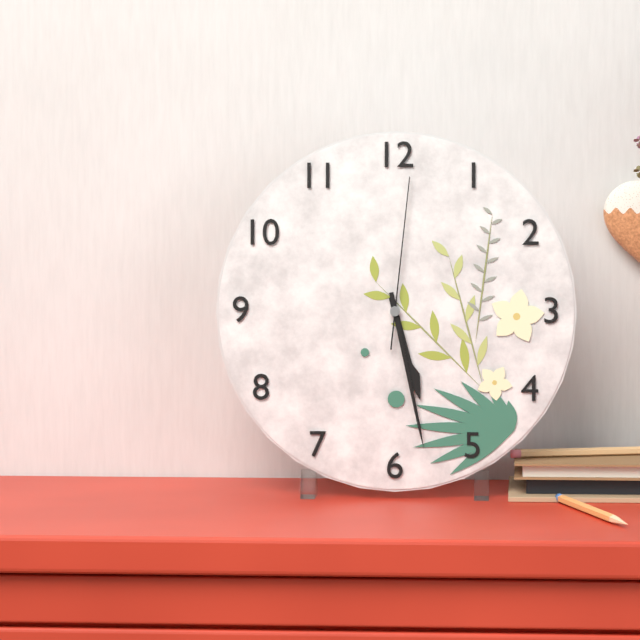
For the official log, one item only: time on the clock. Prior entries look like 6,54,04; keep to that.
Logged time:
5,28,01
